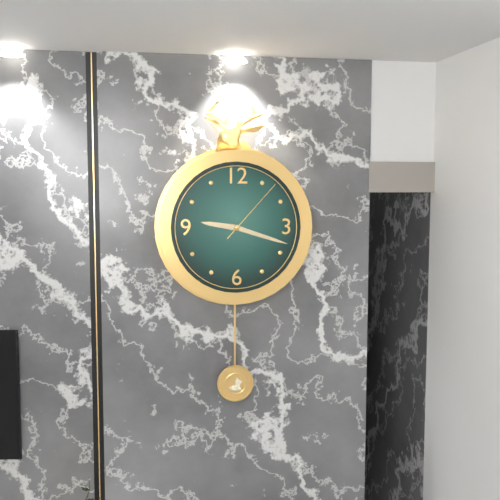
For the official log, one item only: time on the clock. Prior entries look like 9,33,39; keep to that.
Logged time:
9,18,07
